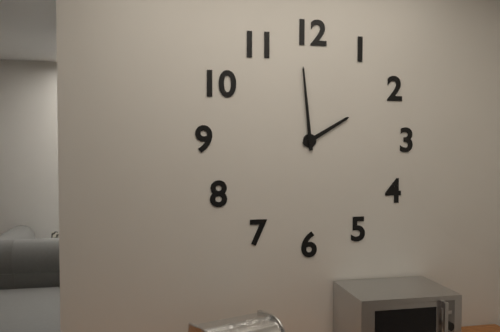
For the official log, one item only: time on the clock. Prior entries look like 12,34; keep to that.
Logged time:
1,59
